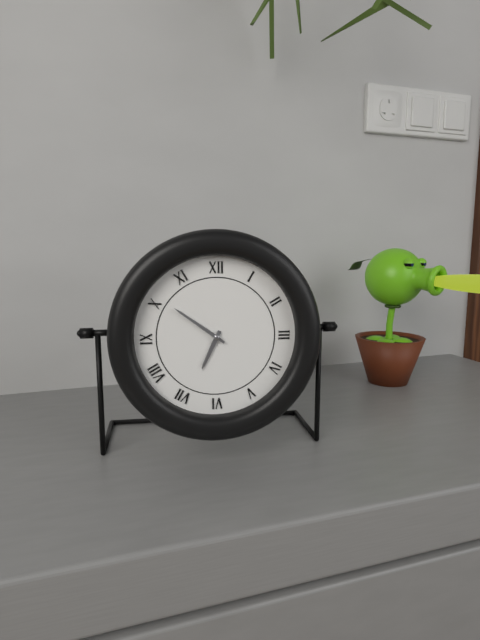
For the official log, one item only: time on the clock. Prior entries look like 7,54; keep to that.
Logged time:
6,51
